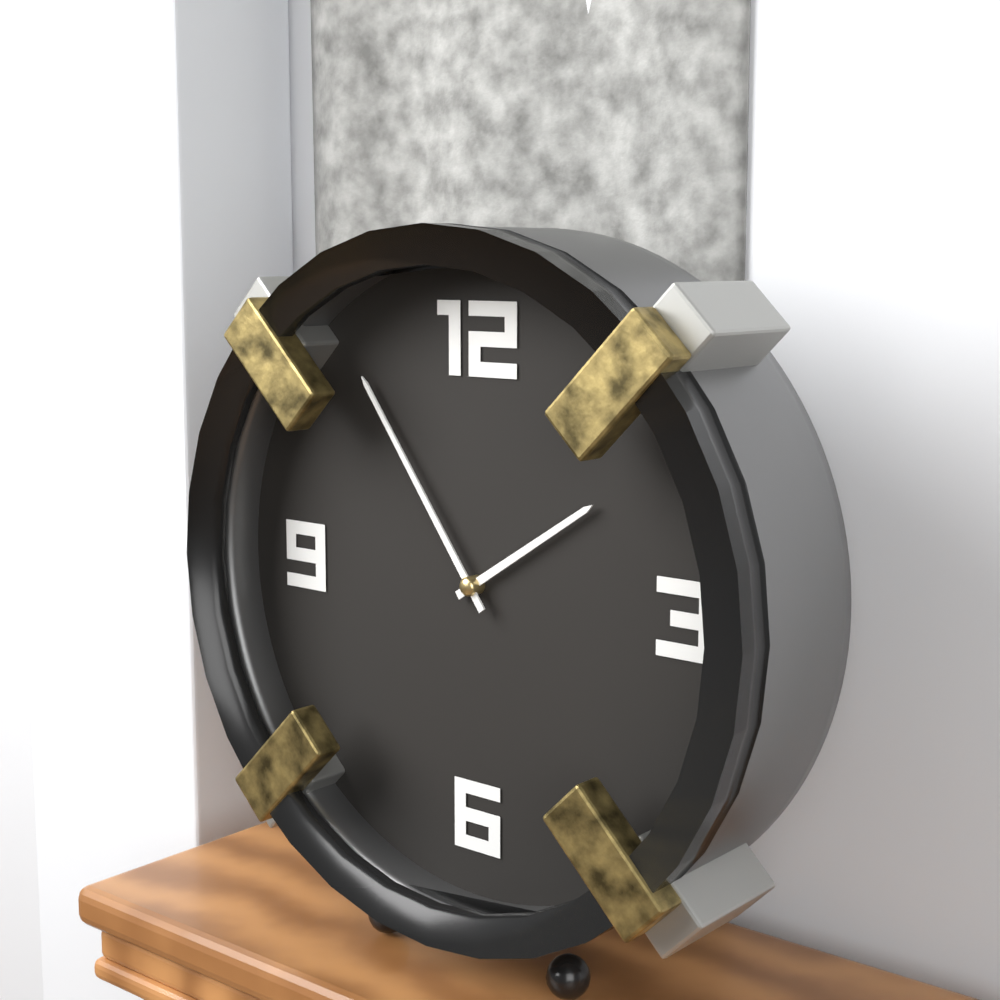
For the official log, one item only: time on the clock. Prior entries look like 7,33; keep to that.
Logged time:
1,54
